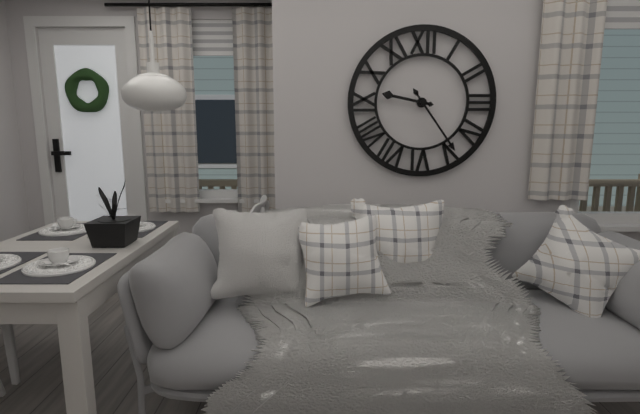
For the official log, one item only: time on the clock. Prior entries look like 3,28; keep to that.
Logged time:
9,24
